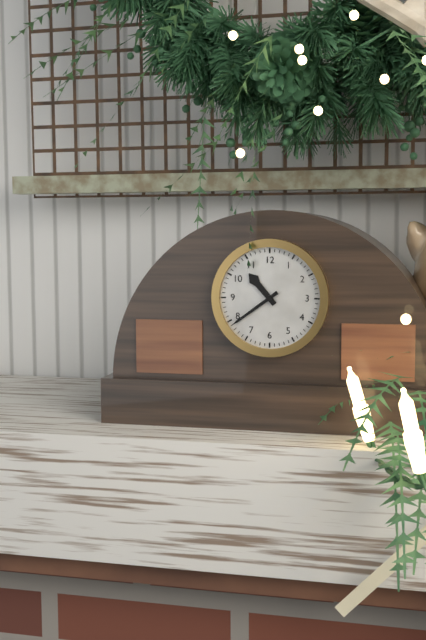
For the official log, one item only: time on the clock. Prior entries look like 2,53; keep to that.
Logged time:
10,39
